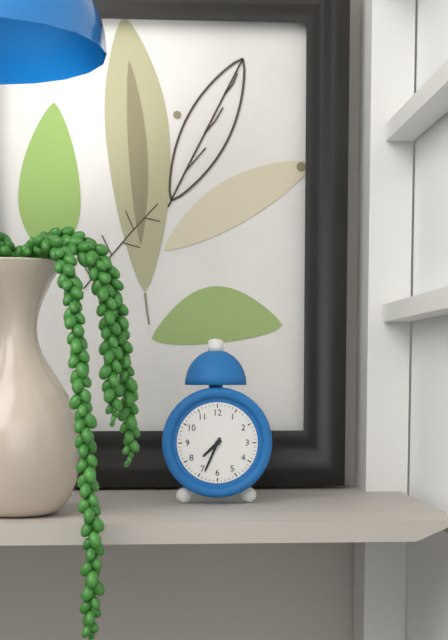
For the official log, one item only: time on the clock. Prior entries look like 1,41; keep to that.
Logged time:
7,34
